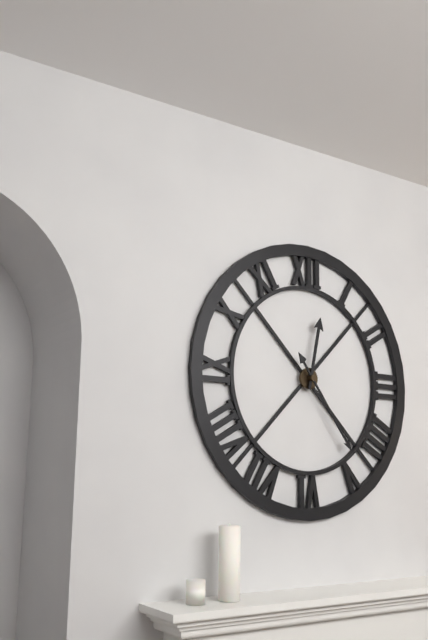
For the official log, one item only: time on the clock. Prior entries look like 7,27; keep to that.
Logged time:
12,24
